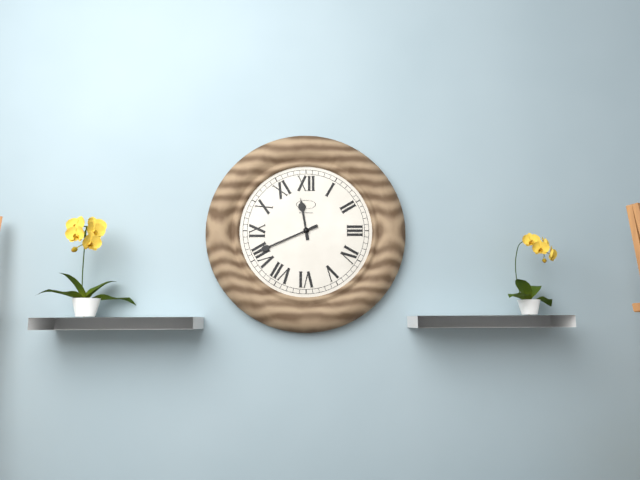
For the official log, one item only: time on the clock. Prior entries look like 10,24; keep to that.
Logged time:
11,41
